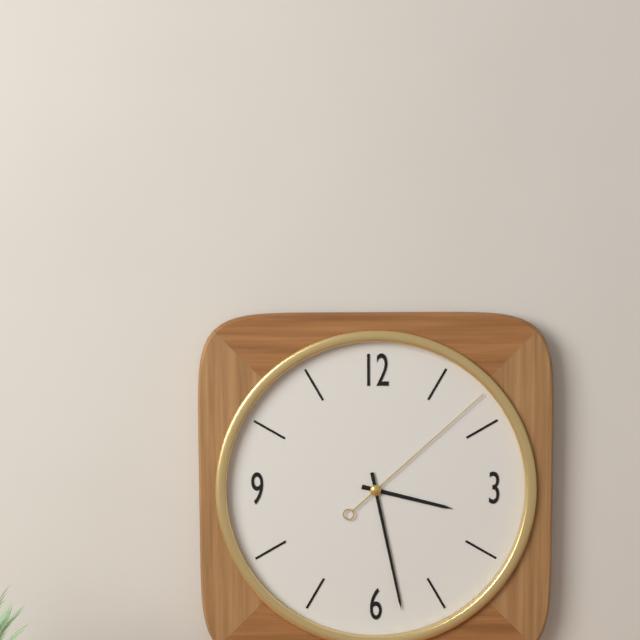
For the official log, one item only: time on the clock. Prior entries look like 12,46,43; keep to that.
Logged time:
3,28,08
